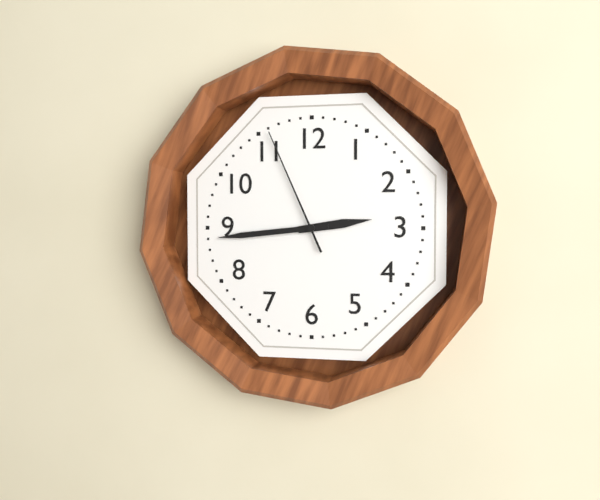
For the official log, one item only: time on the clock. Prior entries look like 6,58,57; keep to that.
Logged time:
2,44,56
